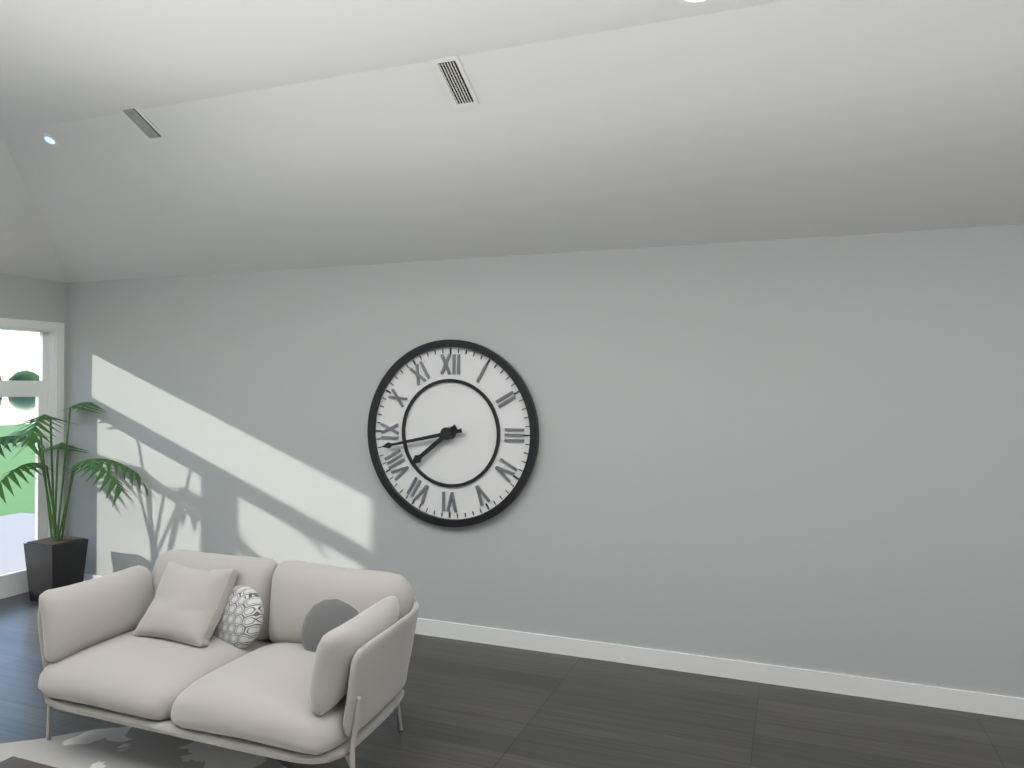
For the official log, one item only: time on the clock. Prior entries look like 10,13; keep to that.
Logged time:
7,43
